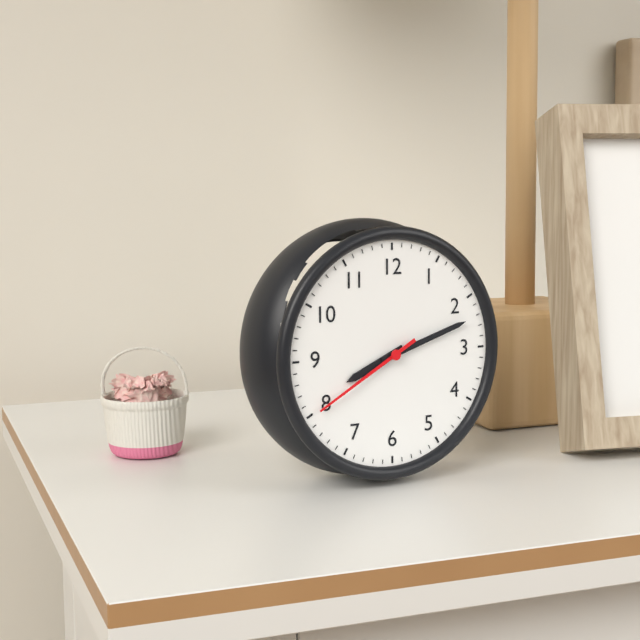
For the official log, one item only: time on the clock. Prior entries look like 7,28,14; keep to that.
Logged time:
8,12,40
